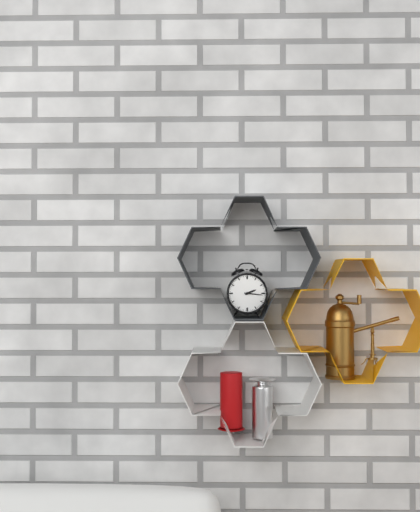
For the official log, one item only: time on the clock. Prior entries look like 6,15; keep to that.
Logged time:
2,16
